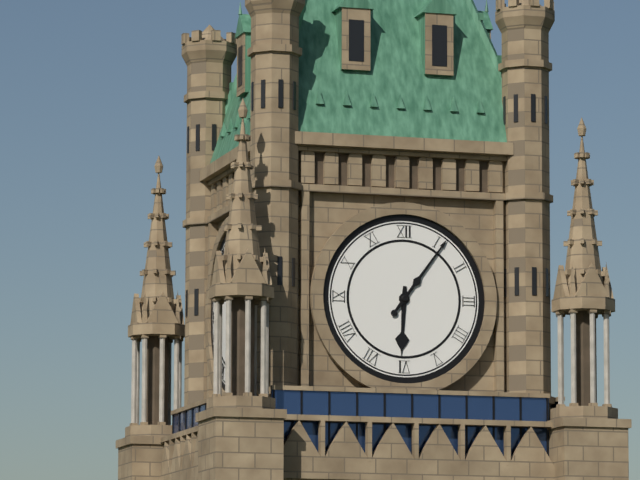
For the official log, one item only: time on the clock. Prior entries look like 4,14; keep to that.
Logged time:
6,06
